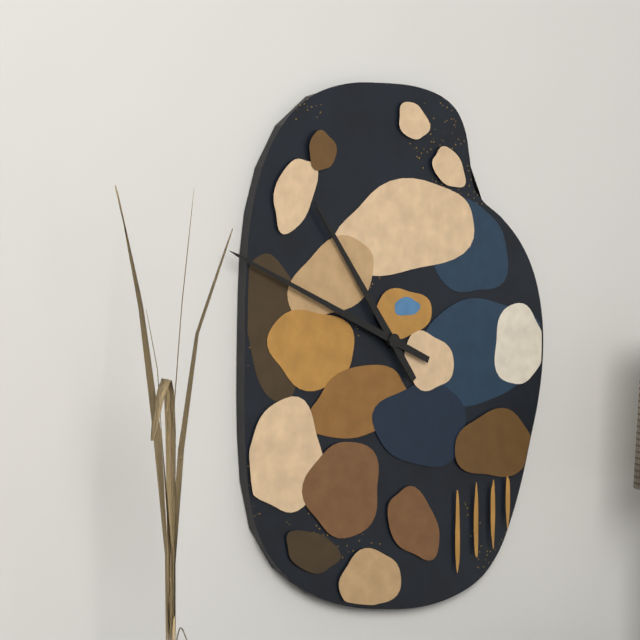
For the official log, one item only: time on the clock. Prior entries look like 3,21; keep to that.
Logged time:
10,49
